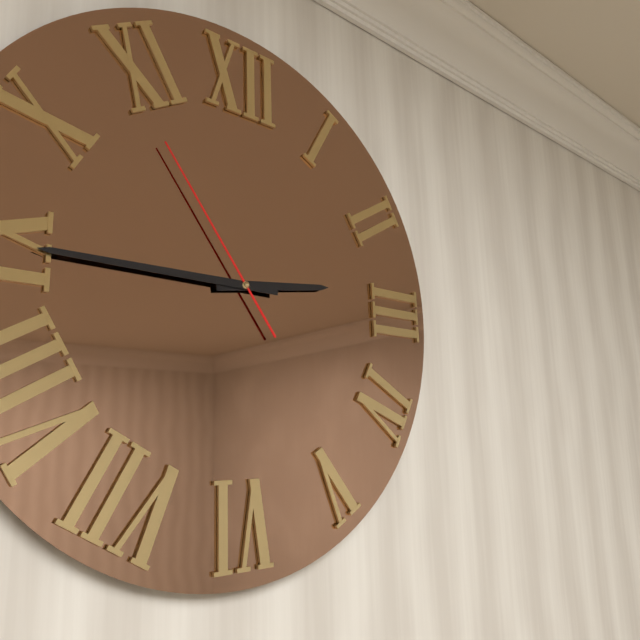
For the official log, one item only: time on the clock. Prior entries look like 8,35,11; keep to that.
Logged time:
2,45,54
